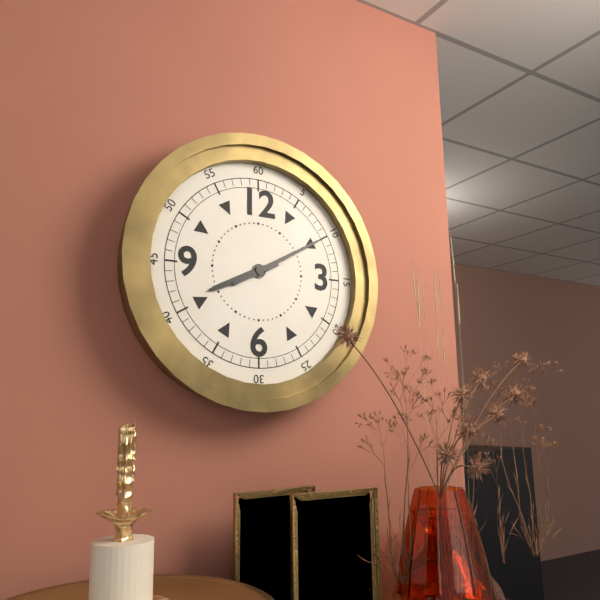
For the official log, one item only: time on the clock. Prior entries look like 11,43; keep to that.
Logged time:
8,10
